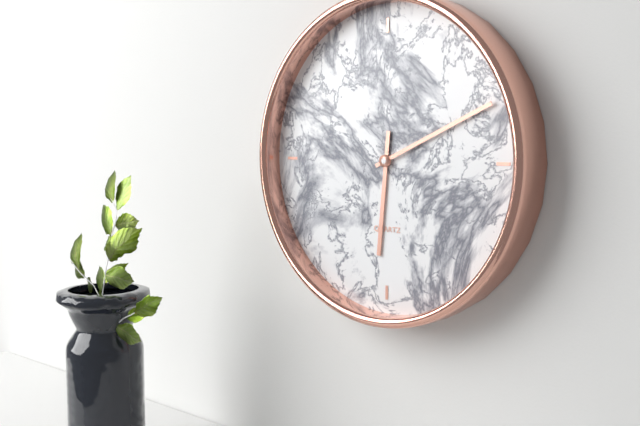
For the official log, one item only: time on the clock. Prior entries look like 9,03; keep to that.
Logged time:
6,11
